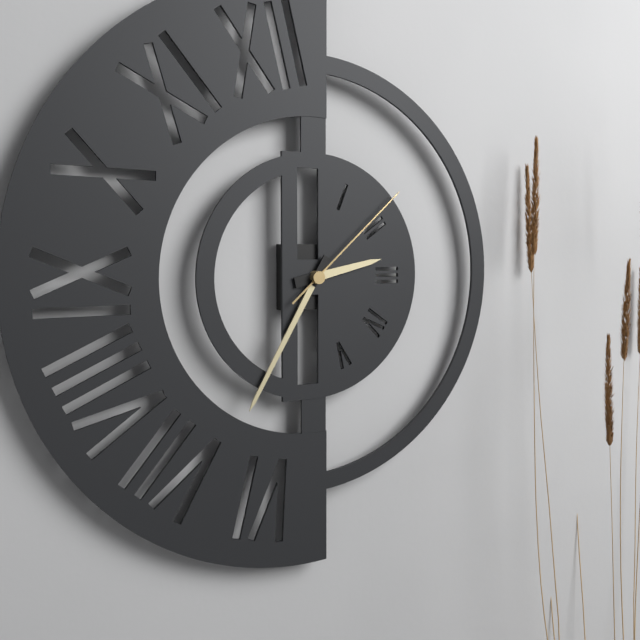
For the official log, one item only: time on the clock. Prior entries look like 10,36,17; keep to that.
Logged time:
2,35,08
